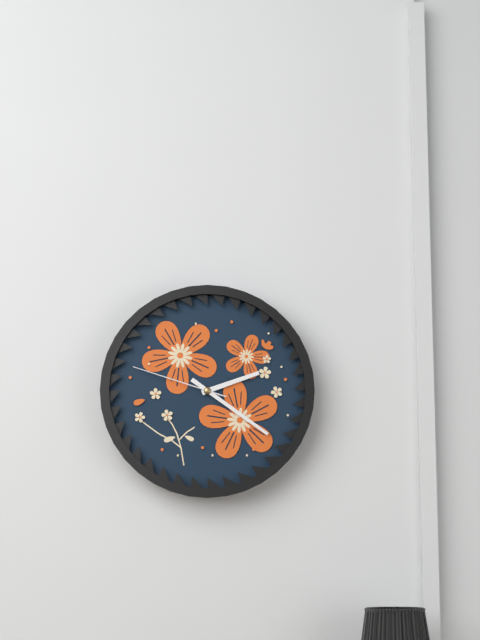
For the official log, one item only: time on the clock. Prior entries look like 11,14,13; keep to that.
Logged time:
2,21,48
